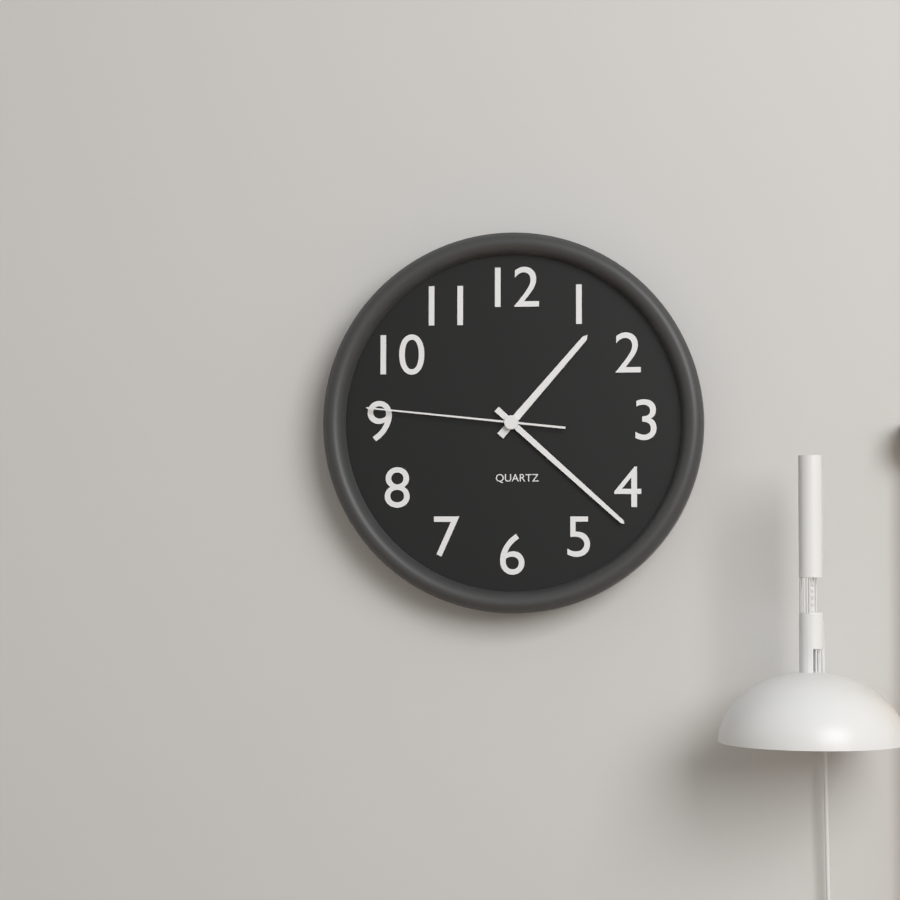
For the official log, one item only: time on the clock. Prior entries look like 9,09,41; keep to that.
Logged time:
1,22,46
